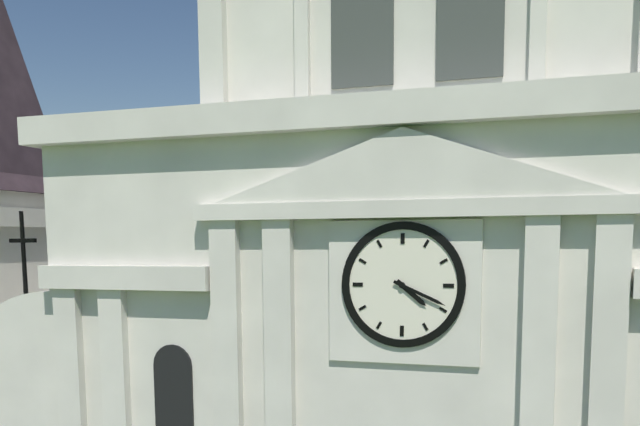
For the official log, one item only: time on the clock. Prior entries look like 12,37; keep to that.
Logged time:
4,19
